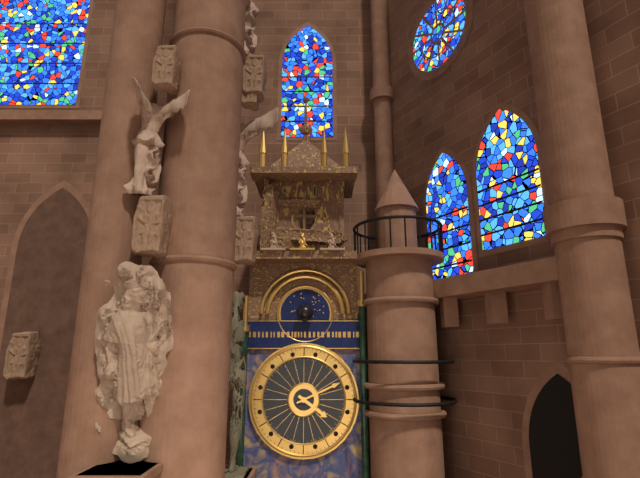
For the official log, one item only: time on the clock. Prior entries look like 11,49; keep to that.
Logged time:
4,11
